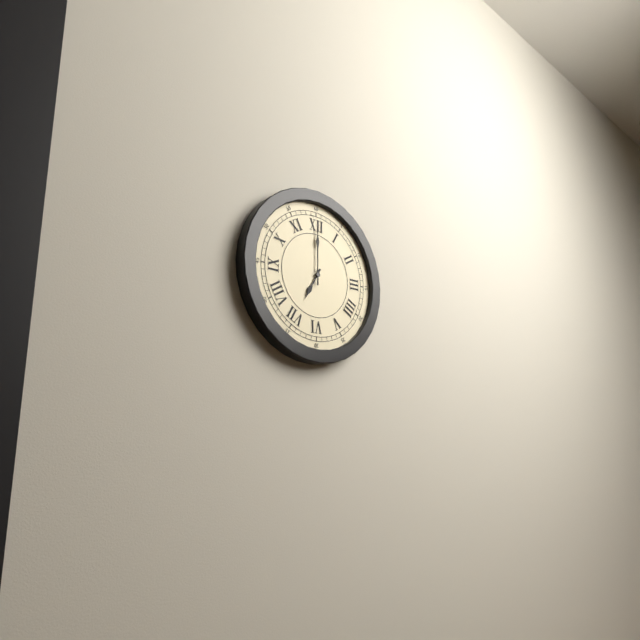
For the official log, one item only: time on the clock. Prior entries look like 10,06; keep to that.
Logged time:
7,00
